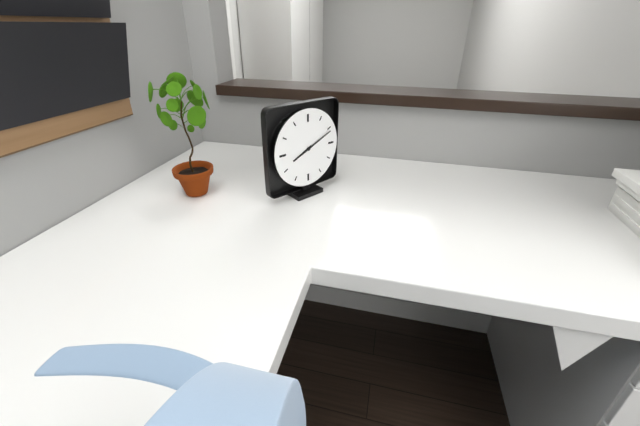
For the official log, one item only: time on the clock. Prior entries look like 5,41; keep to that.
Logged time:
8,11
